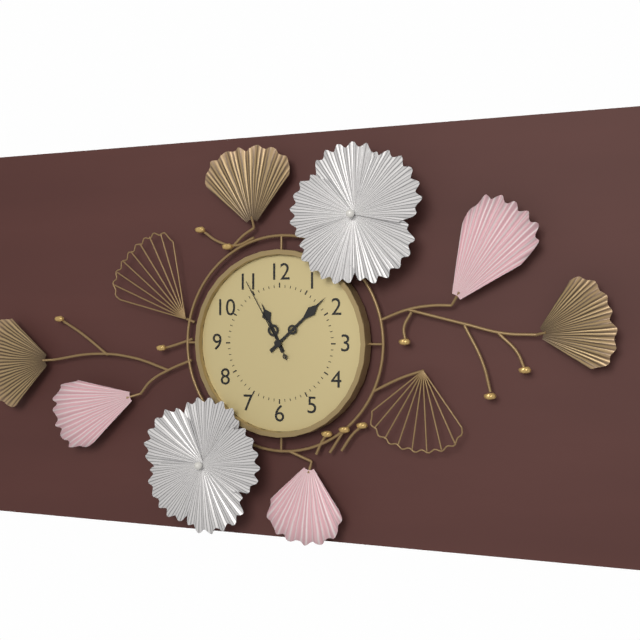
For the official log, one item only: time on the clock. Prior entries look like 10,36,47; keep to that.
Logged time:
11,08,55
